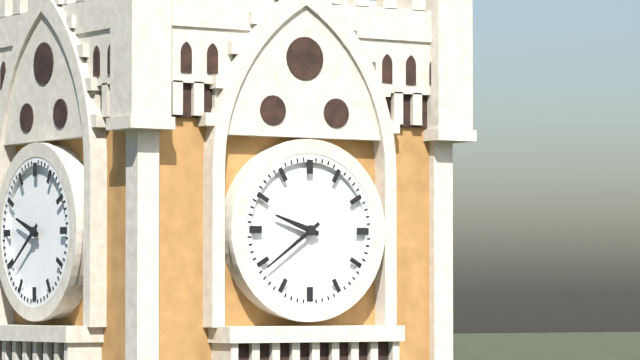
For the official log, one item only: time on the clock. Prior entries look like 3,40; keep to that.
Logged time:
9,39
